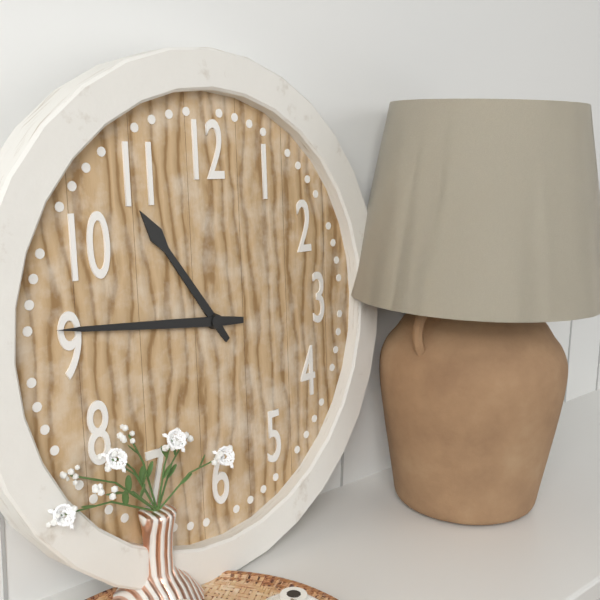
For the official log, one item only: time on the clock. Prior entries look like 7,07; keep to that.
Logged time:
10,46
